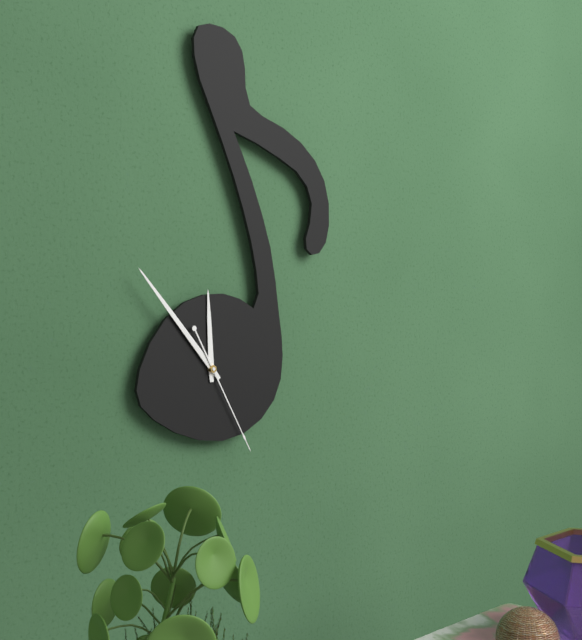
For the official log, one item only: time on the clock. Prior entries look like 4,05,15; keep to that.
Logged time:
11,53,25
